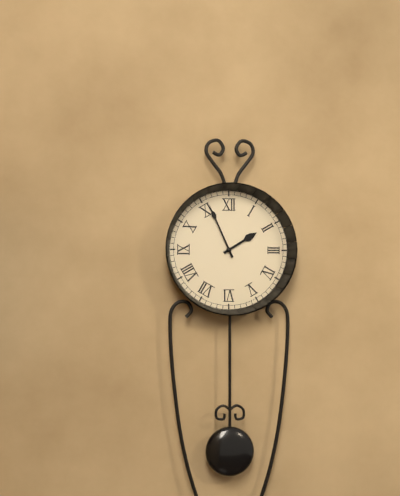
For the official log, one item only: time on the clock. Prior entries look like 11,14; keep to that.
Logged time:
1,56
